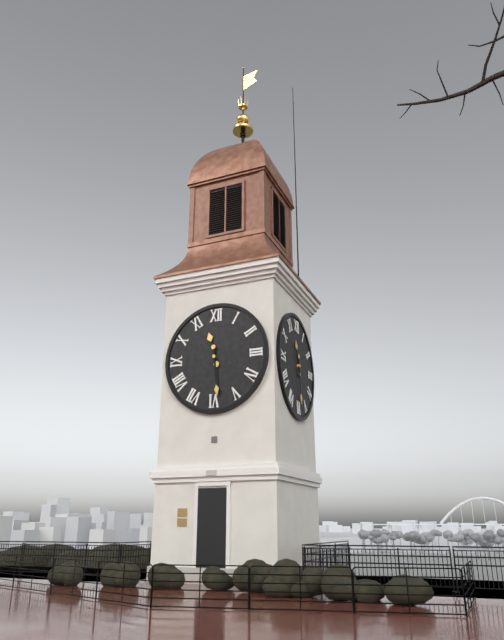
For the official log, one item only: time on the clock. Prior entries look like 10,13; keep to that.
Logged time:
11,29
